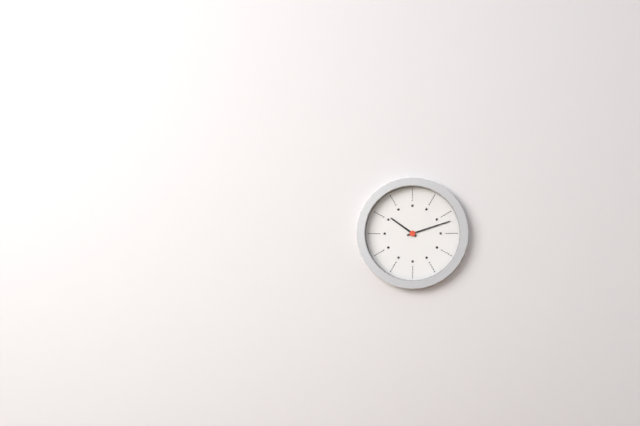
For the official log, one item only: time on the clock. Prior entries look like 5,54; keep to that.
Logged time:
10,12
